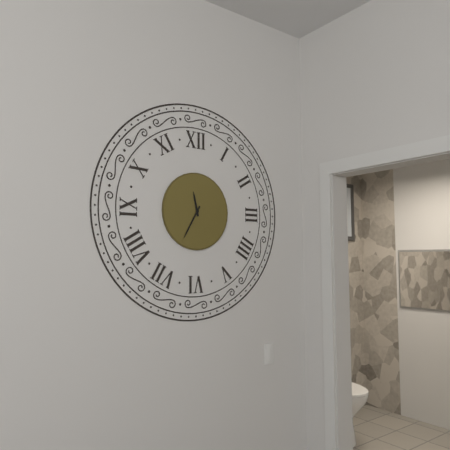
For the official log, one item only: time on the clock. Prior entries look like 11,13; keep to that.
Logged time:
11,35
